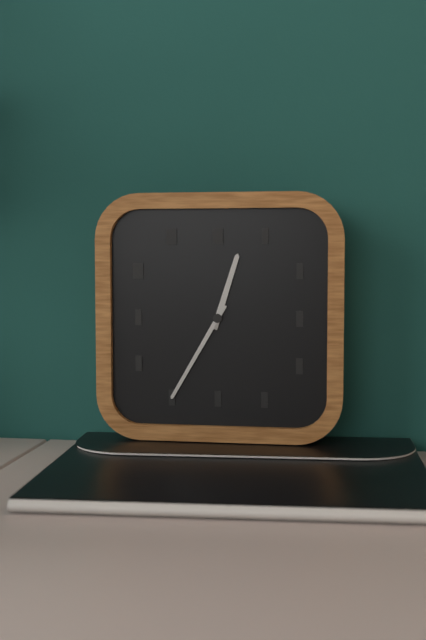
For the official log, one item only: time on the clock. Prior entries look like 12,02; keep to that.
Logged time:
12,35
